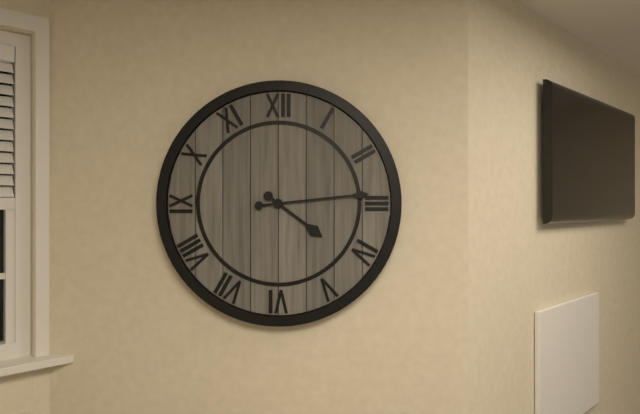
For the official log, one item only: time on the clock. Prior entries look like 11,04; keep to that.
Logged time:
4,14
